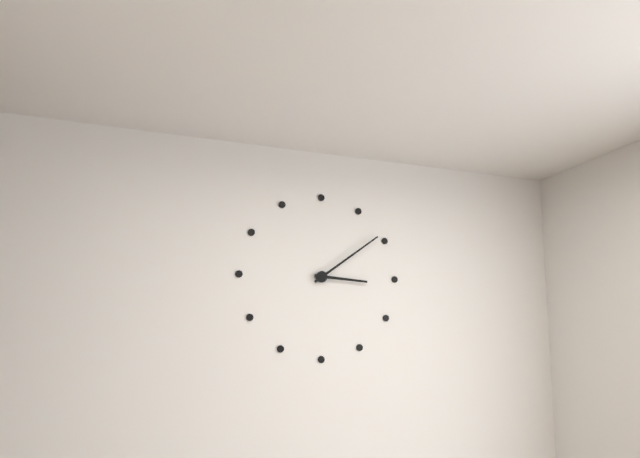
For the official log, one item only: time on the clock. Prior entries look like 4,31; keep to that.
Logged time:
3,09
